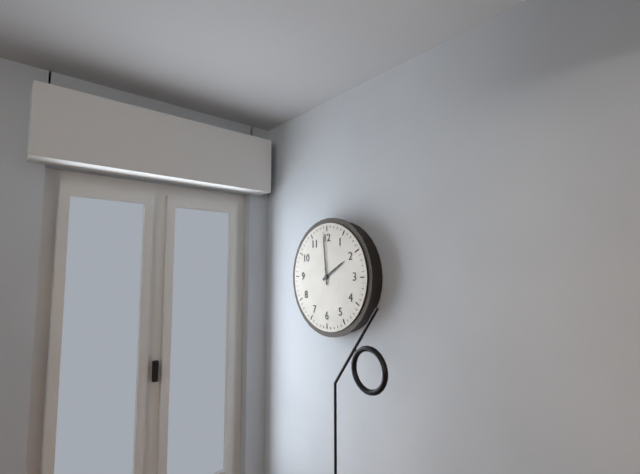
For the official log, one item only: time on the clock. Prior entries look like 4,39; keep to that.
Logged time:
1,59
